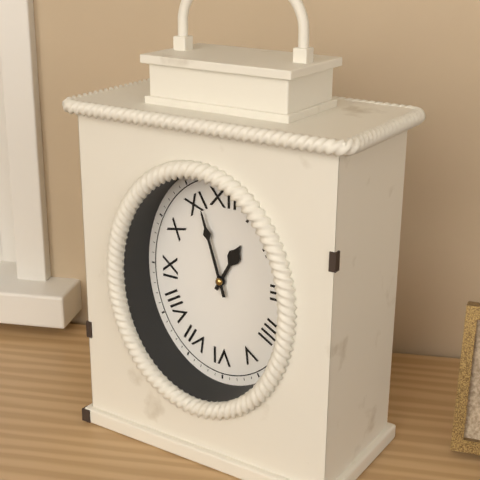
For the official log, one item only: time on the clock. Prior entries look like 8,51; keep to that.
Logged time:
12,57
